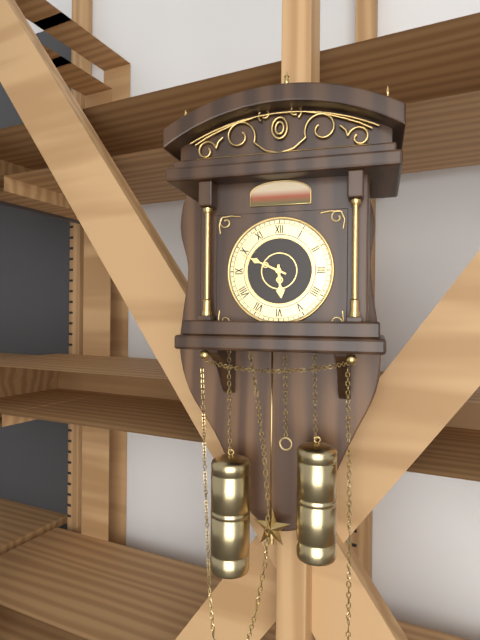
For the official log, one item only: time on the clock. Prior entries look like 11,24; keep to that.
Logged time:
5,49
